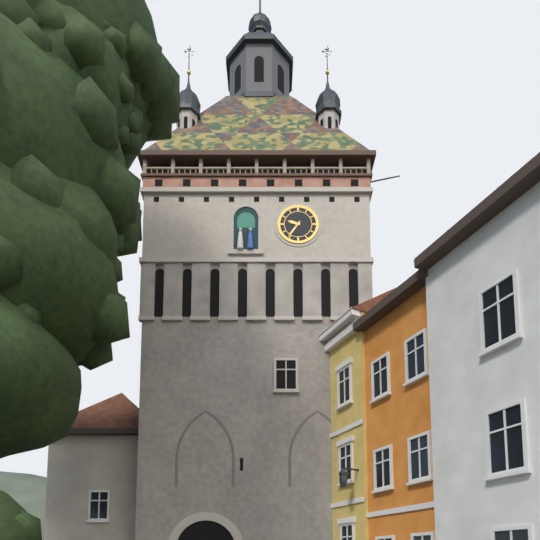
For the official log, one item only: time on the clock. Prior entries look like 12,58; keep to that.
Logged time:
9,36
